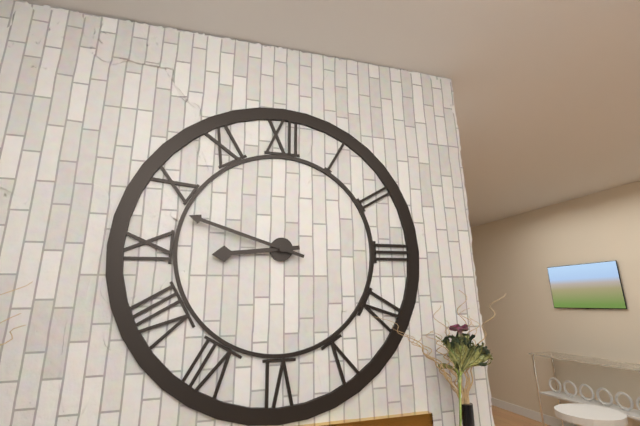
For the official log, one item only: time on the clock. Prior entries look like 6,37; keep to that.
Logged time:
8,48
